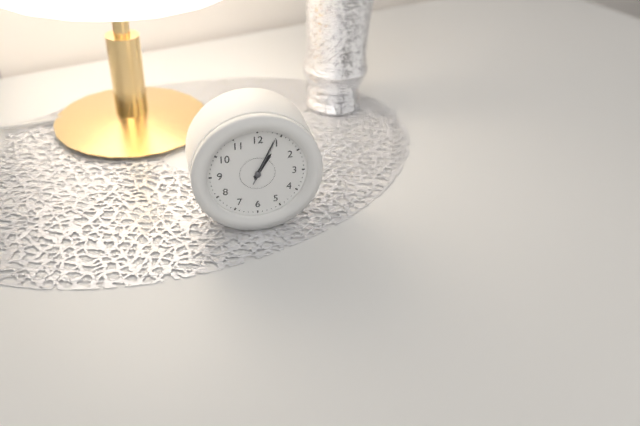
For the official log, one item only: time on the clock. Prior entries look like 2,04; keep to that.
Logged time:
1,04
